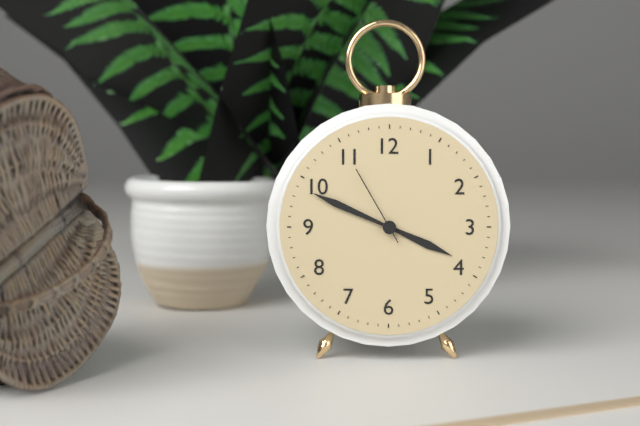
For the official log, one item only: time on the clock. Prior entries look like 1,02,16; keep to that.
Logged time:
3,49,55
